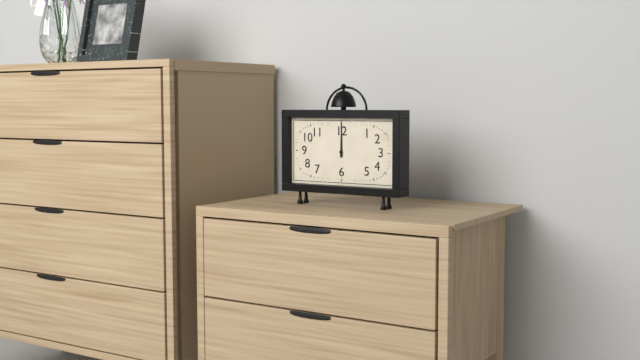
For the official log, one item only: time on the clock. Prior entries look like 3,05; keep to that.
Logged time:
12,00
